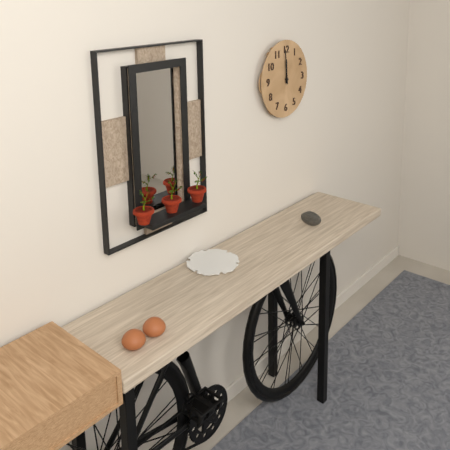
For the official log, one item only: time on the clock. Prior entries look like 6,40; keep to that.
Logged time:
11,59
